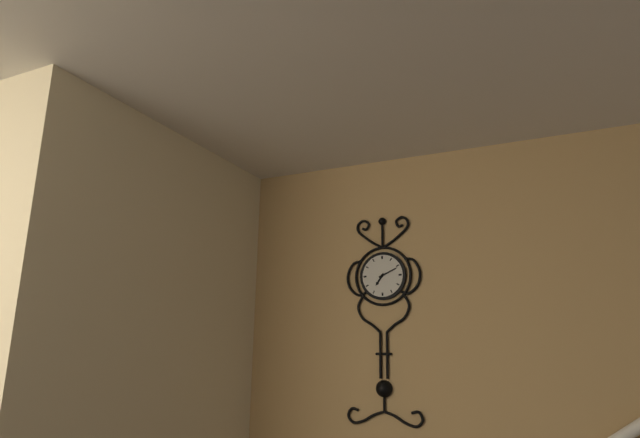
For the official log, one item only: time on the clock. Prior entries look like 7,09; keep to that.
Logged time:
7,11
